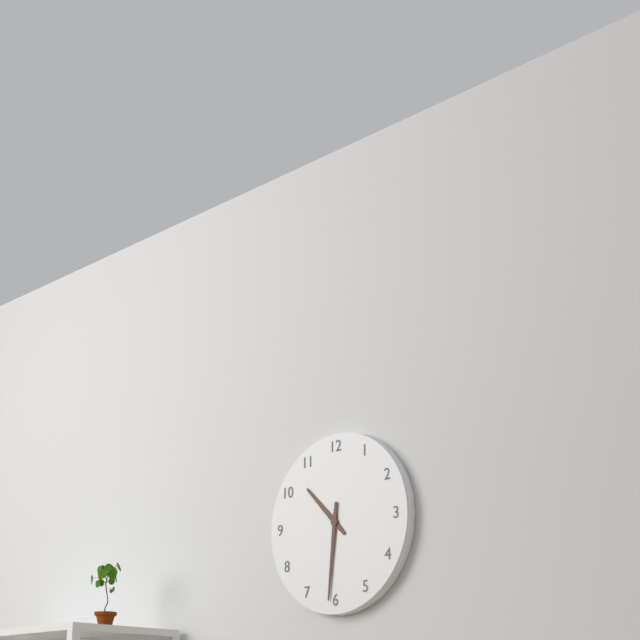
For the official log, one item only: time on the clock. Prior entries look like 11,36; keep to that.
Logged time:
10,31
